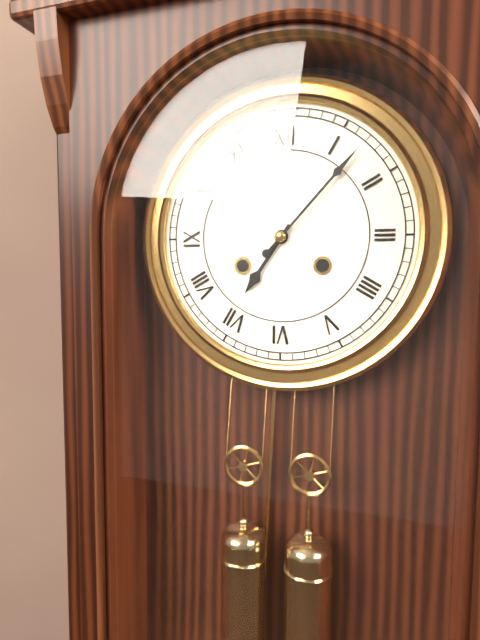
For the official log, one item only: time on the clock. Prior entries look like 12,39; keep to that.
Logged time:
7,07
